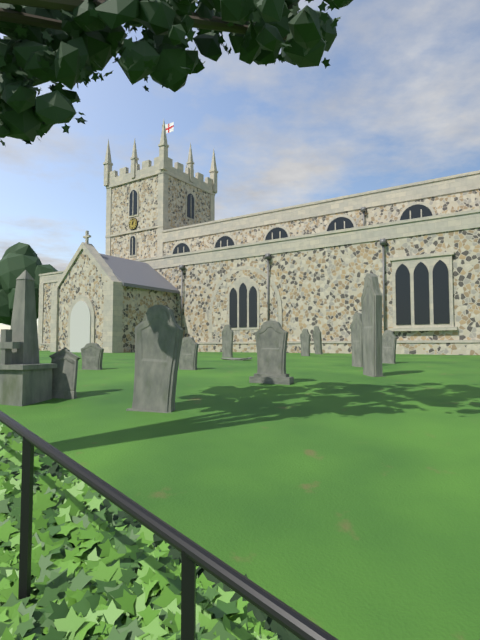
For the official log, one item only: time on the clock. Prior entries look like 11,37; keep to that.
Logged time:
1,04
